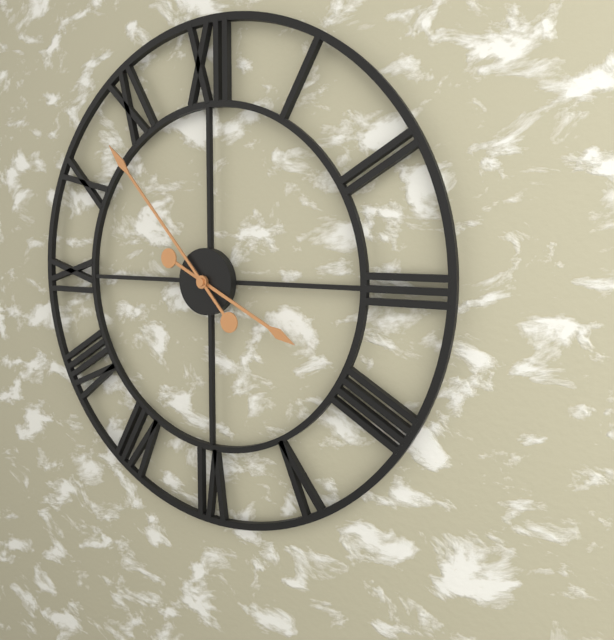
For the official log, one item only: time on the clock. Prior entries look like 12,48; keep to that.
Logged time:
3,53
